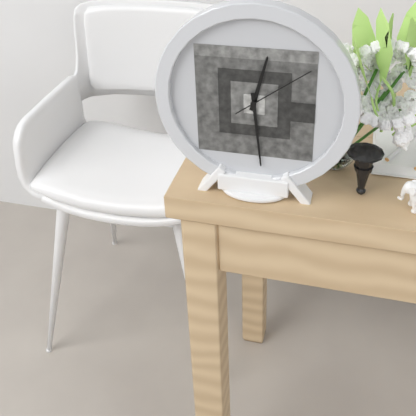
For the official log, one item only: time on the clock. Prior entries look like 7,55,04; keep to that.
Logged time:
12,29,09
